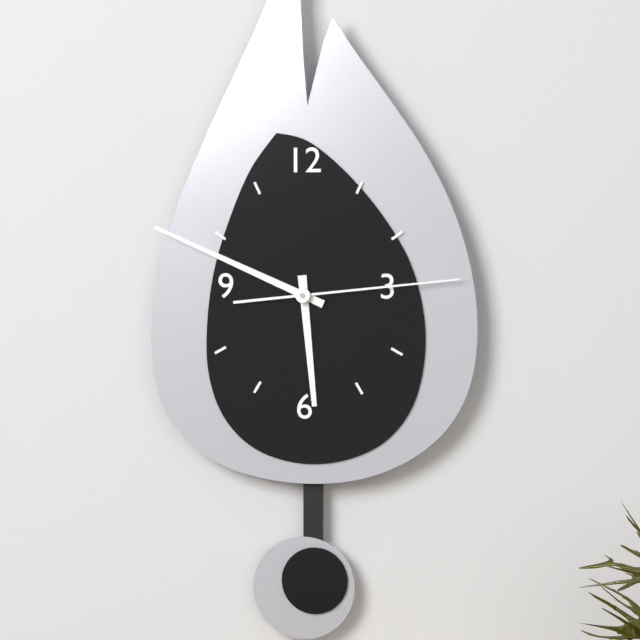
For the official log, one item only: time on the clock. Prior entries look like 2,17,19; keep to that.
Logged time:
5,49,14
